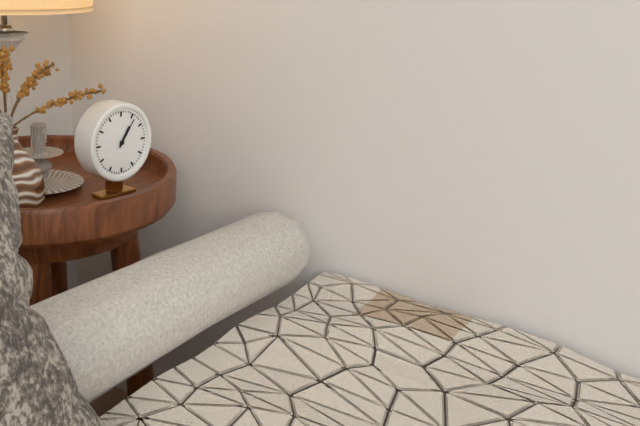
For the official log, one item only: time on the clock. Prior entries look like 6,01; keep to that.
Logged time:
1,06
